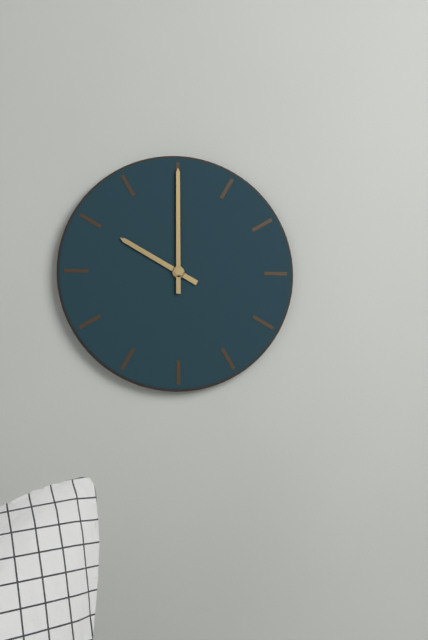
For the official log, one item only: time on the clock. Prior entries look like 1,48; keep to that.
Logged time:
10,00
